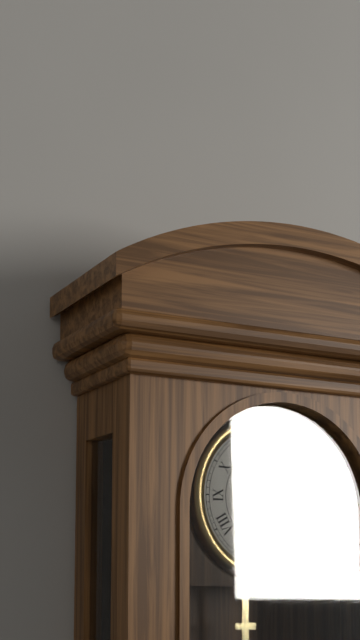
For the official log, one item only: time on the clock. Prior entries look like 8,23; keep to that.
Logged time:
6,09
